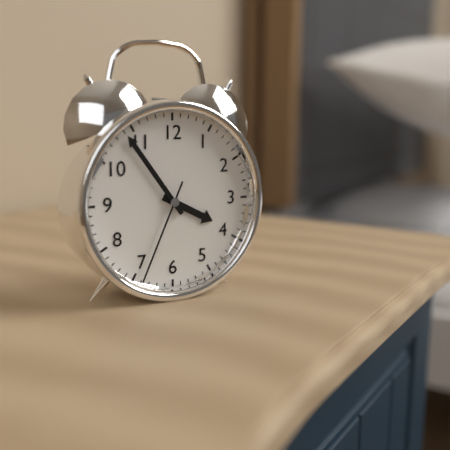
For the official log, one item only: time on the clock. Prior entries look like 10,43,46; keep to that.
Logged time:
3,54,34
